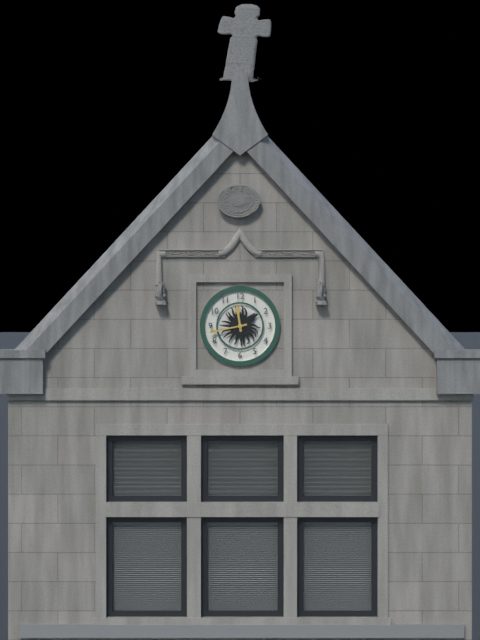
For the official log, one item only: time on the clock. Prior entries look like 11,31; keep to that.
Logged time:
11,43
